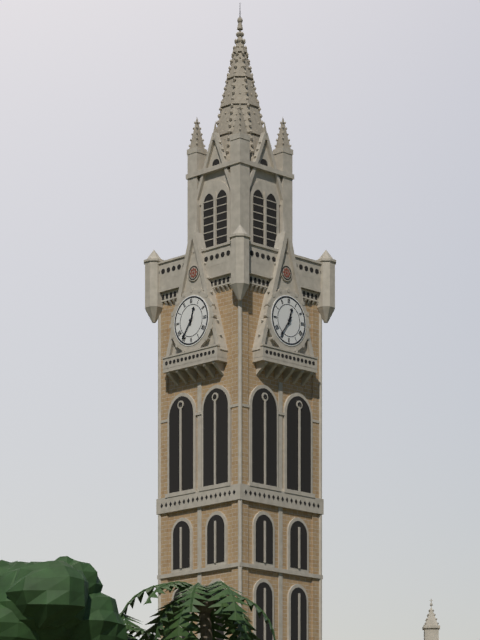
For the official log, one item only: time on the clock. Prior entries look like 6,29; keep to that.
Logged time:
12,36
